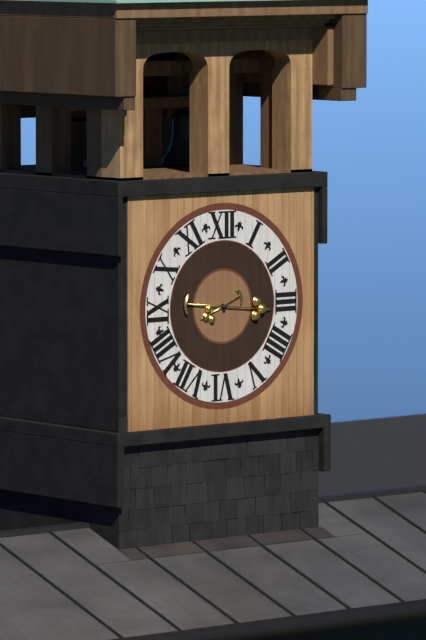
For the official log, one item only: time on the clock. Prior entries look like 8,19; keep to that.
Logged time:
8,16
